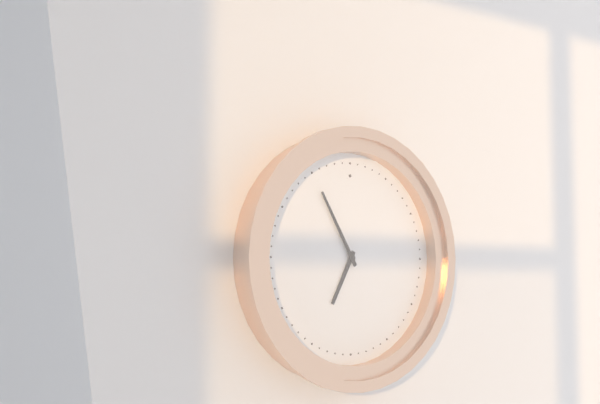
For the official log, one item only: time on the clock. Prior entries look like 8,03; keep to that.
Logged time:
6,55
